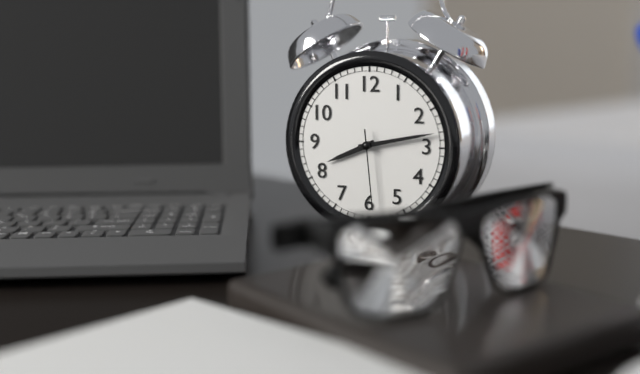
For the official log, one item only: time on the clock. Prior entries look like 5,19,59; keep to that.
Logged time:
8,13,29
